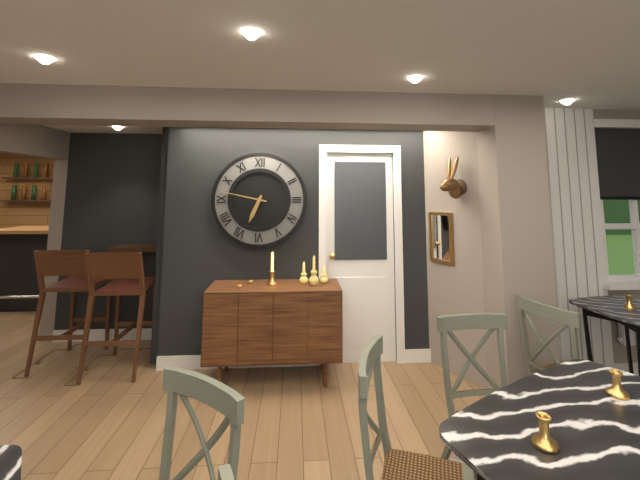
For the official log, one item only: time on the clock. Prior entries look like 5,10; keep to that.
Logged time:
6,47
